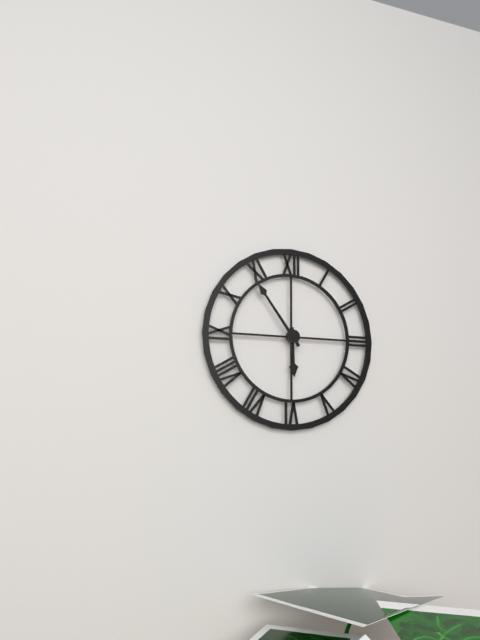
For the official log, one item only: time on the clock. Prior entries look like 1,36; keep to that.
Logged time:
5,54
